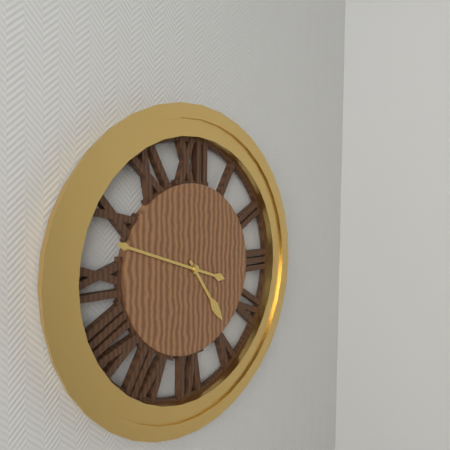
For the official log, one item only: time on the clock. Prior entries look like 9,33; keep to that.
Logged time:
4,48
